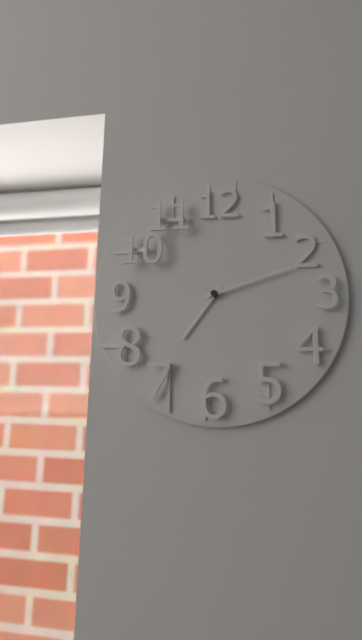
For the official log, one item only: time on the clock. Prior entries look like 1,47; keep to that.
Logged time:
7,12
